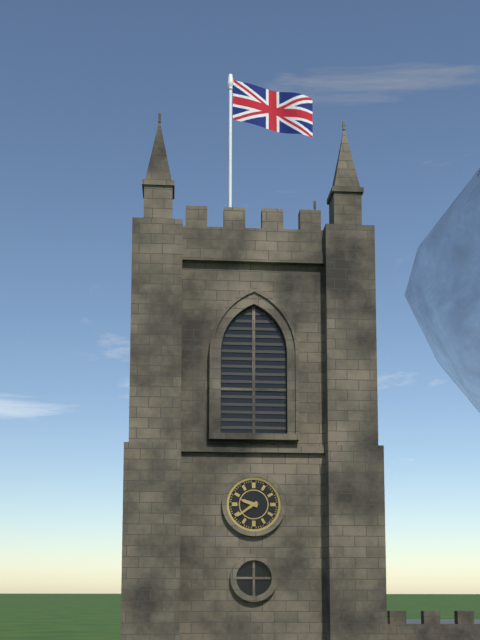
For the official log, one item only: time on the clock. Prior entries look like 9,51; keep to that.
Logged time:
9,39
